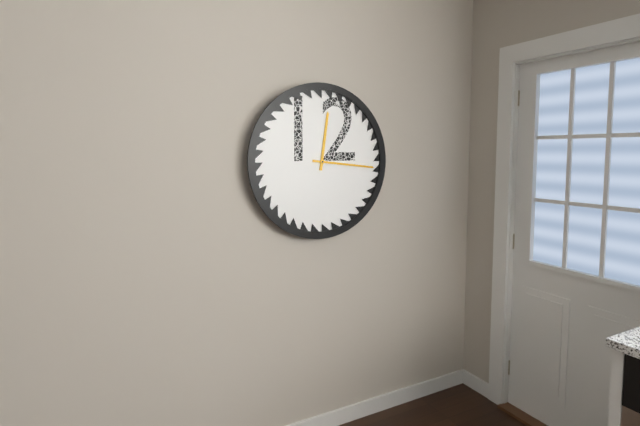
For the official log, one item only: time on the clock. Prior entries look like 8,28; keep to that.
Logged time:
12,16
